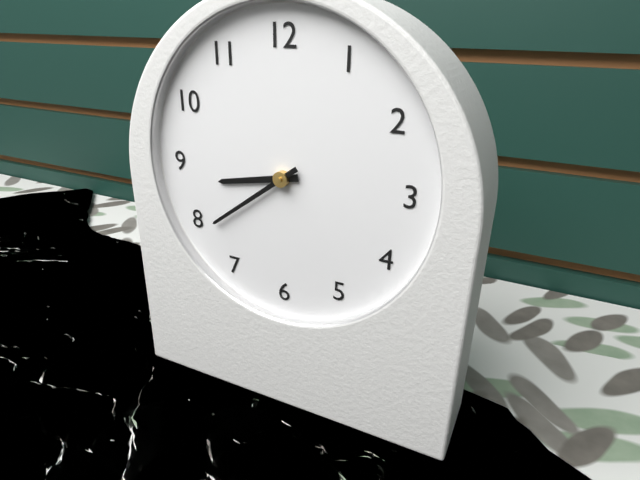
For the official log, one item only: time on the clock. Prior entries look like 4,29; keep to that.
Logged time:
8,39
